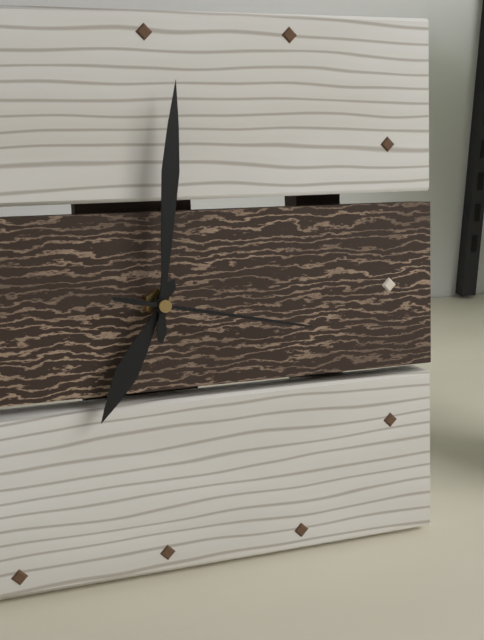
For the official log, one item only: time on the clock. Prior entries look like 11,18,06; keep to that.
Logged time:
7,01,17
